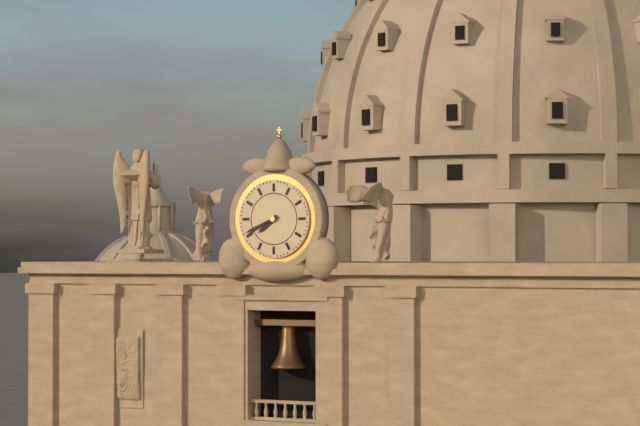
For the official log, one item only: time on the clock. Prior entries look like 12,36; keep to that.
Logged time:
7,41
